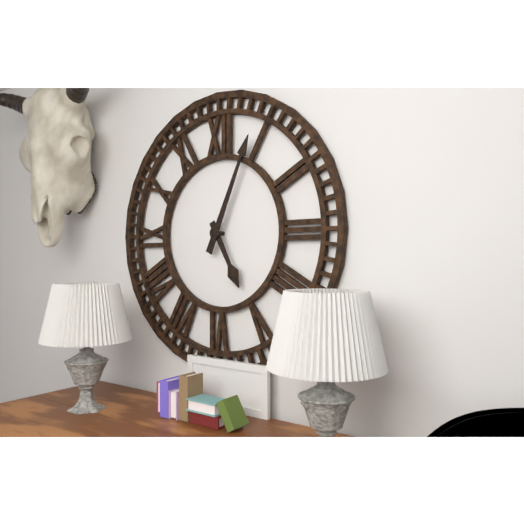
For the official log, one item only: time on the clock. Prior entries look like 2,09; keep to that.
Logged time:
5,04
